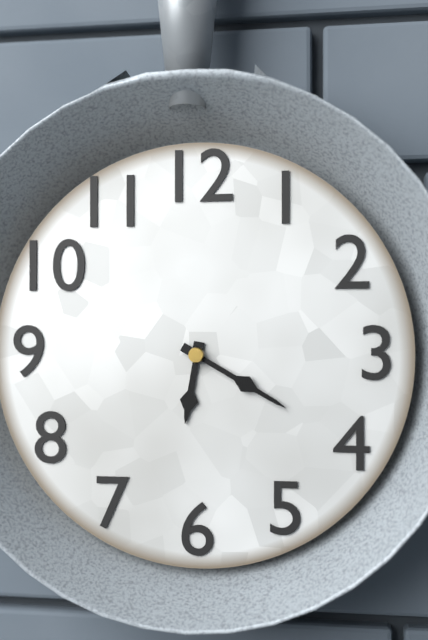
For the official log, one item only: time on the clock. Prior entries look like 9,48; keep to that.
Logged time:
6,20
